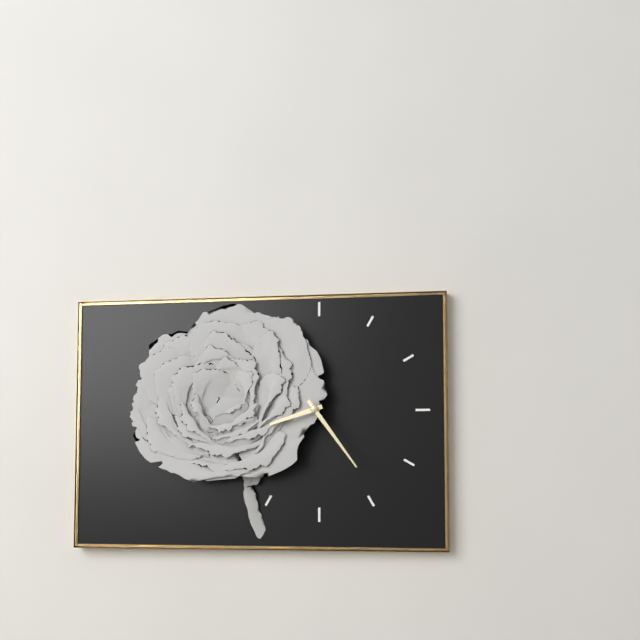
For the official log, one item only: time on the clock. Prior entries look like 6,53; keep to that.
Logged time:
8,24
